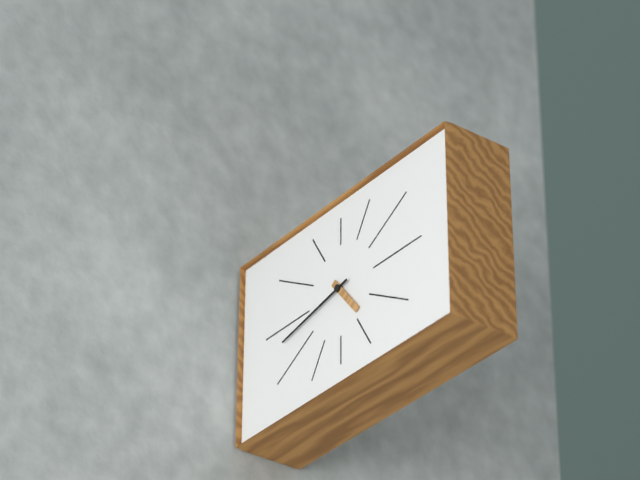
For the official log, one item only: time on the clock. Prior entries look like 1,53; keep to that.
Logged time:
4,43
